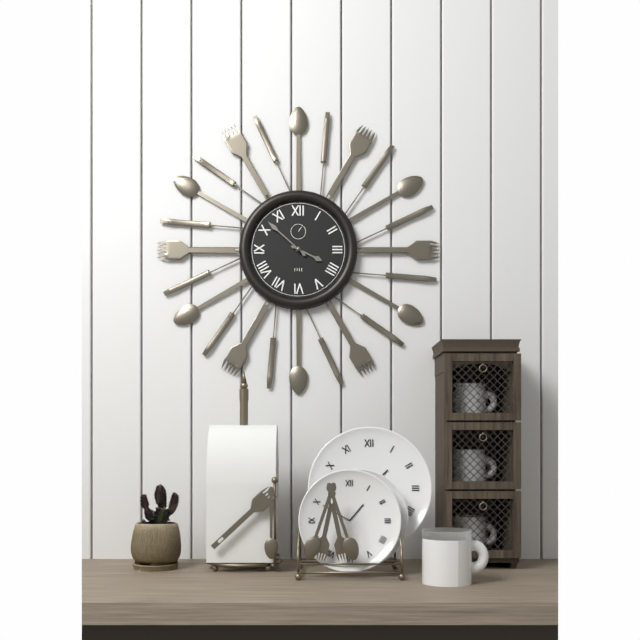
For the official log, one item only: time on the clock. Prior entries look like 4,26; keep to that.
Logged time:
3,52
